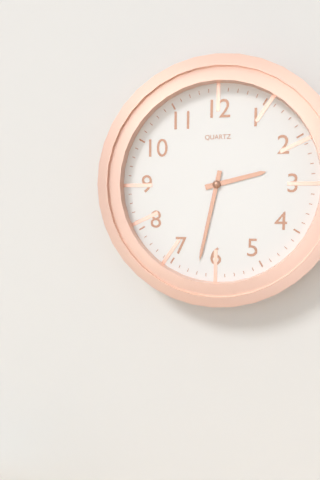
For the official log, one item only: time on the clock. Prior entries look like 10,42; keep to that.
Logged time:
2,32
